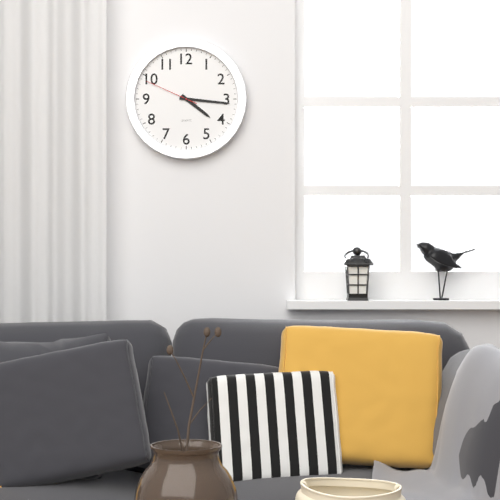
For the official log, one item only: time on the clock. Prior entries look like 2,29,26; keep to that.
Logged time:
4,16,49
